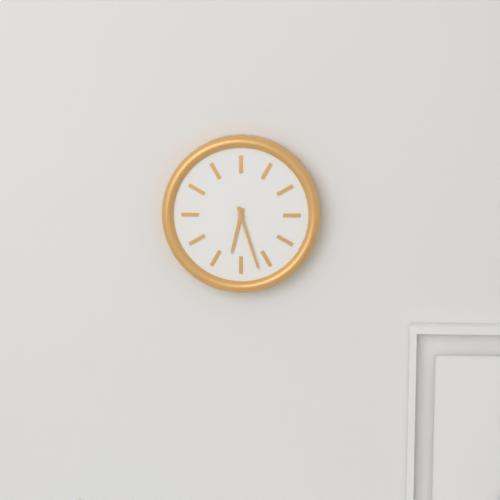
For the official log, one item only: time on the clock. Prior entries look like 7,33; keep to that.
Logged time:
6,27
